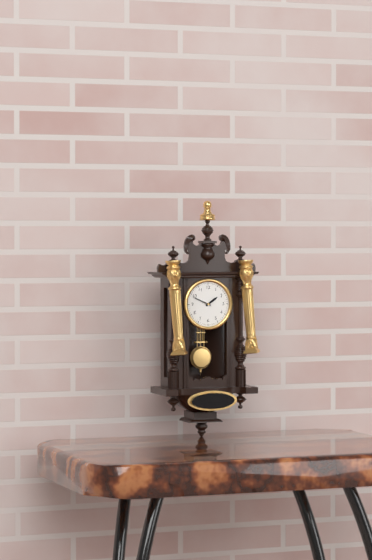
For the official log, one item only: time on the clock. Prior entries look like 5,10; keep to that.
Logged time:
1,49
